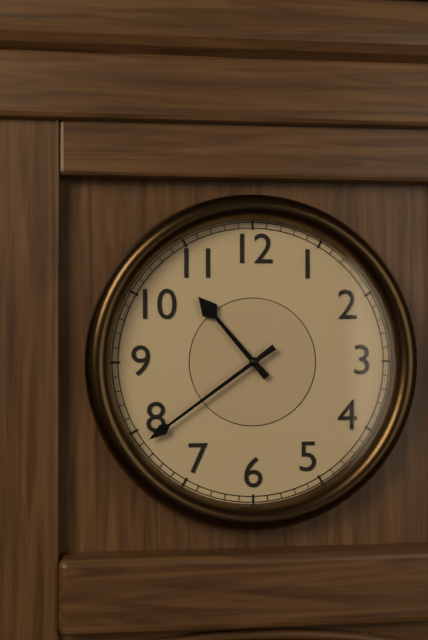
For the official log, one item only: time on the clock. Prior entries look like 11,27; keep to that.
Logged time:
10,39
